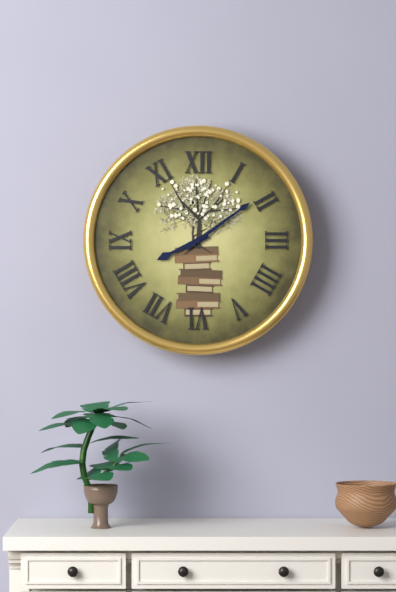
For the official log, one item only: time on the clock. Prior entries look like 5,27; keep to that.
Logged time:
8,09
